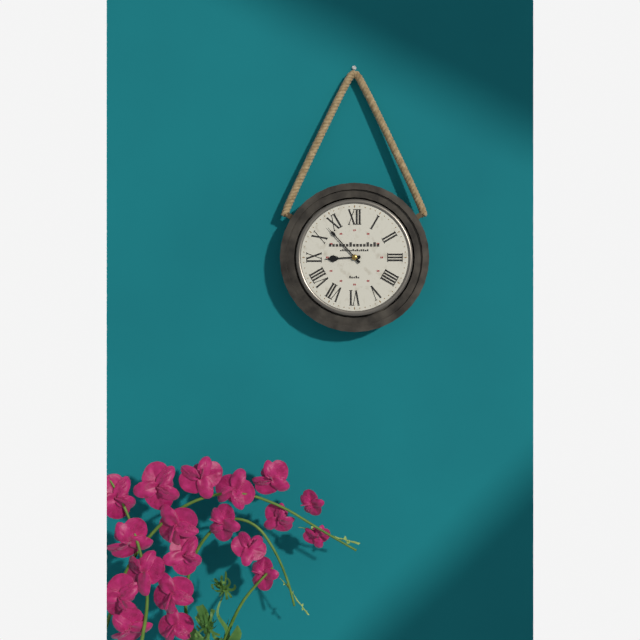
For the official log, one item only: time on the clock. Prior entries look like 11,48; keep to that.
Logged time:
8,53
